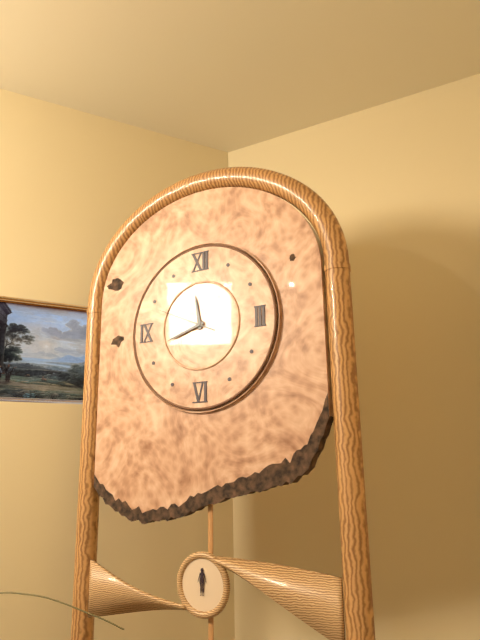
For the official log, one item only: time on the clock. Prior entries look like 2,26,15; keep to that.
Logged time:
11,42,49
